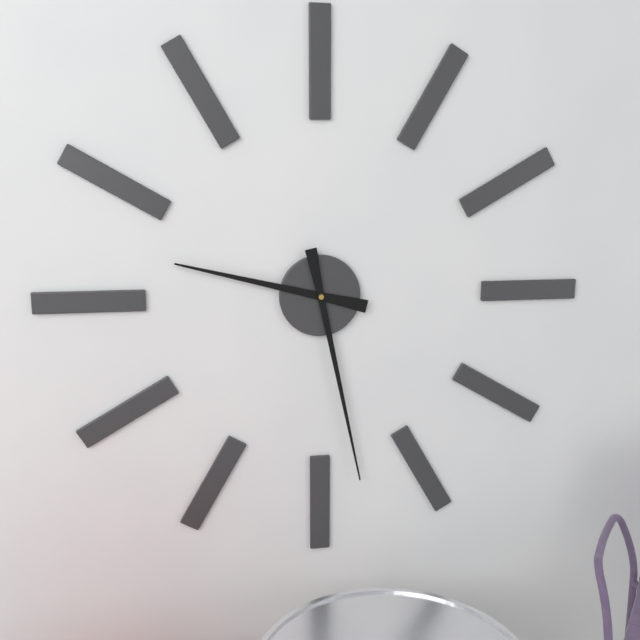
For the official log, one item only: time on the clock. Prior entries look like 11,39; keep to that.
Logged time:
9,28
